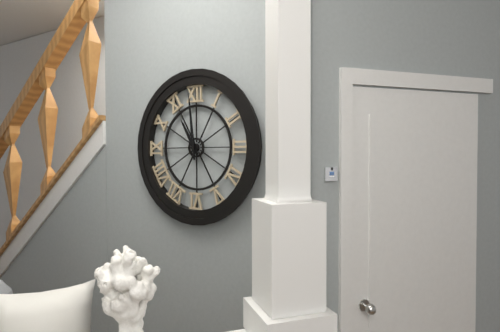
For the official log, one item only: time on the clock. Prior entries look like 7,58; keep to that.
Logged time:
10,59
